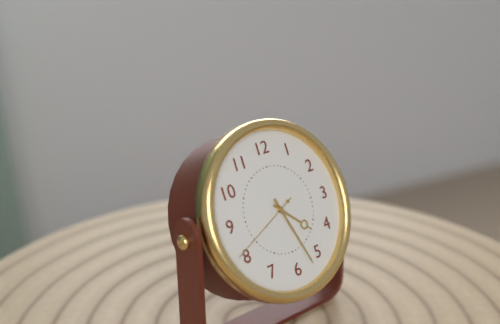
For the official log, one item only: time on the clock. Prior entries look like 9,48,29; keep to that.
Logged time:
4,27,41
